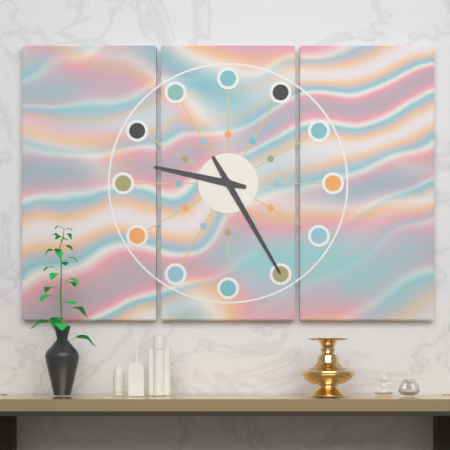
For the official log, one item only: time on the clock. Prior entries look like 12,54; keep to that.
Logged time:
9,25
